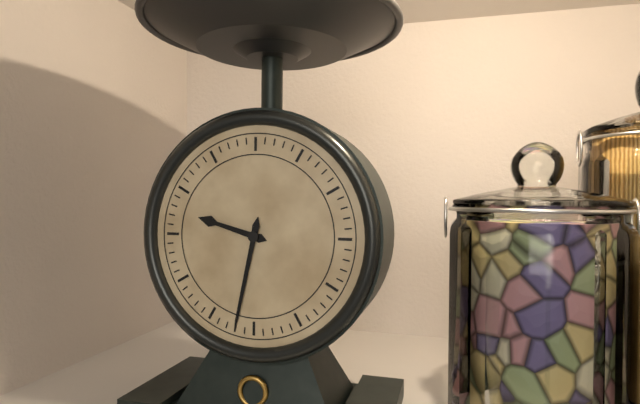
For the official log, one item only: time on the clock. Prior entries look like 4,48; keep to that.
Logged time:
9,32
